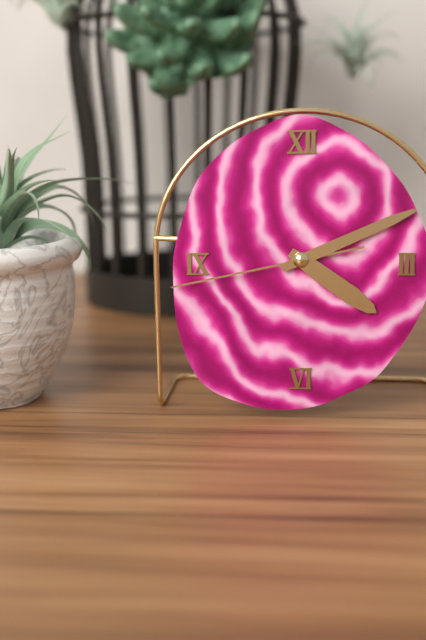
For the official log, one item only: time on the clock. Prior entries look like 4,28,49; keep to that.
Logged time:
4,11,43
